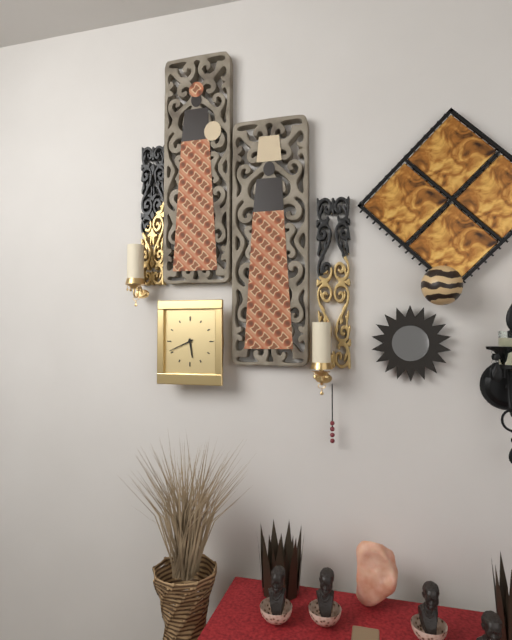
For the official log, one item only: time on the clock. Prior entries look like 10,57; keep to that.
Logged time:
5,41
